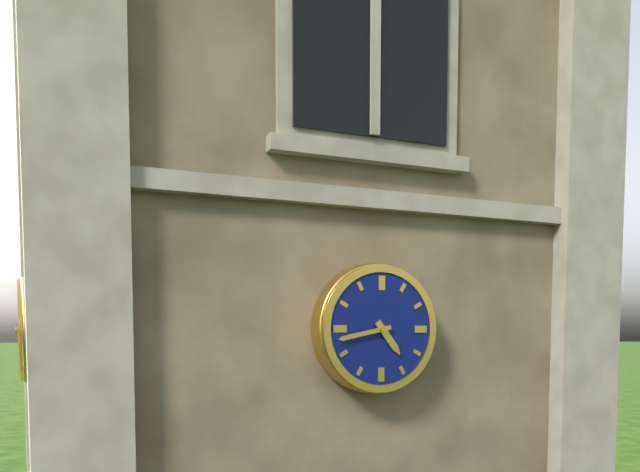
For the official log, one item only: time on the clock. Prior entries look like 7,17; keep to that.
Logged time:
4,43
